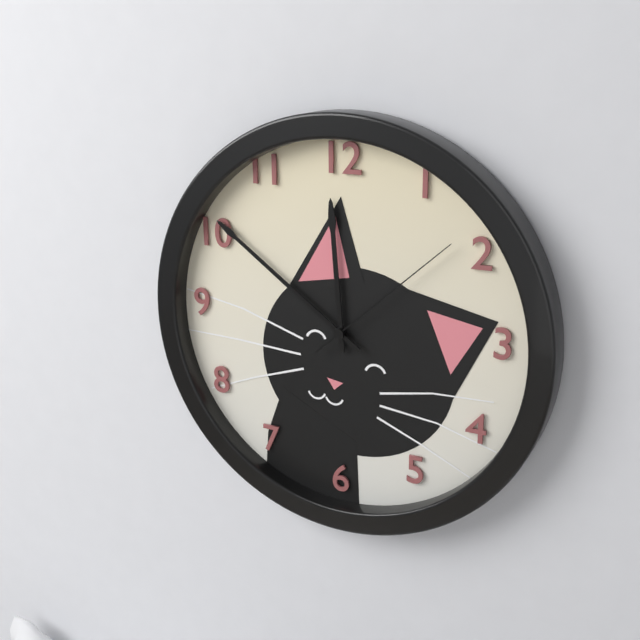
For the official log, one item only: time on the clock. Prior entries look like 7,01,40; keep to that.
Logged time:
11,51,08
